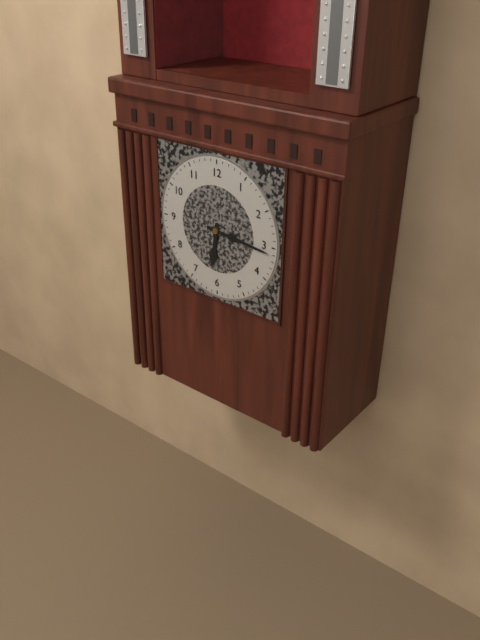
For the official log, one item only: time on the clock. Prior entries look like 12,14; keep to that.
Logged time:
6,16
